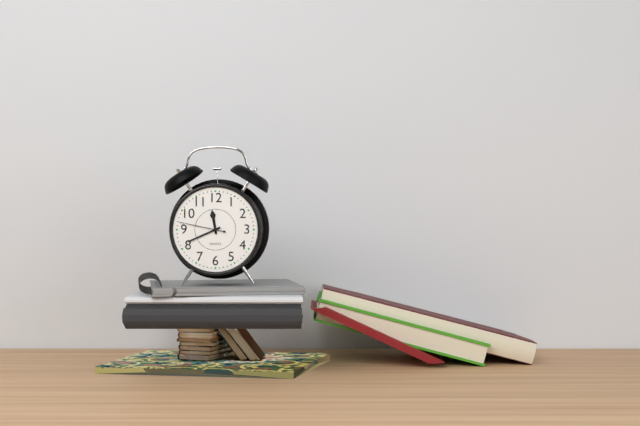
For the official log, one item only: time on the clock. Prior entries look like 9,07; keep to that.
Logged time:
11,41
